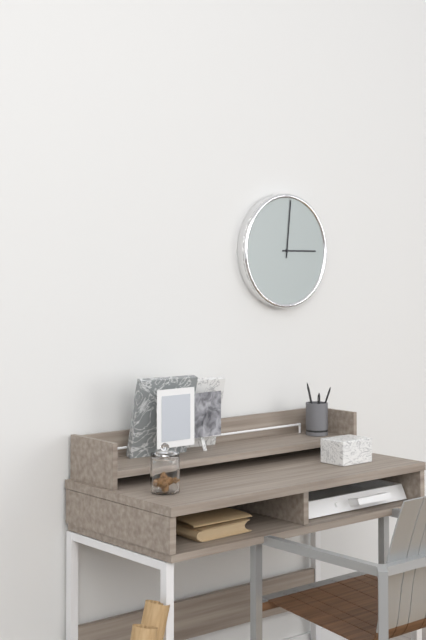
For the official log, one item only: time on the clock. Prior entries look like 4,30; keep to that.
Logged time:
3,01
